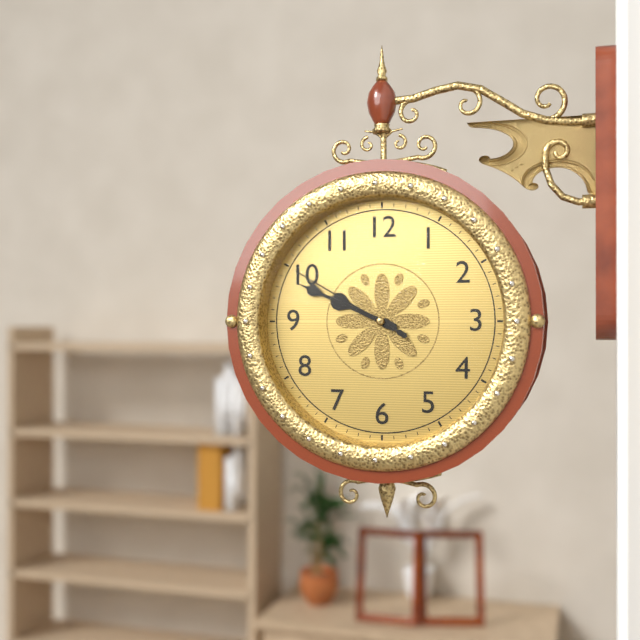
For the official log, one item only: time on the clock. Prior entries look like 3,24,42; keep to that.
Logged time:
9,49,50
